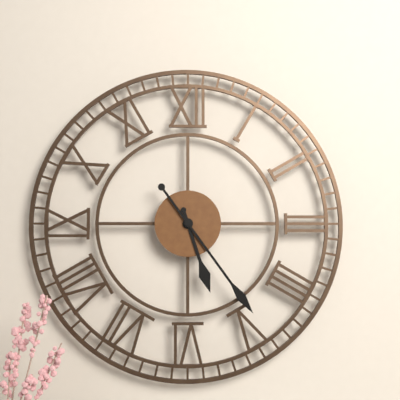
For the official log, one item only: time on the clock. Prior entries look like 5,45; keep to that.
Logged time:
5,24
